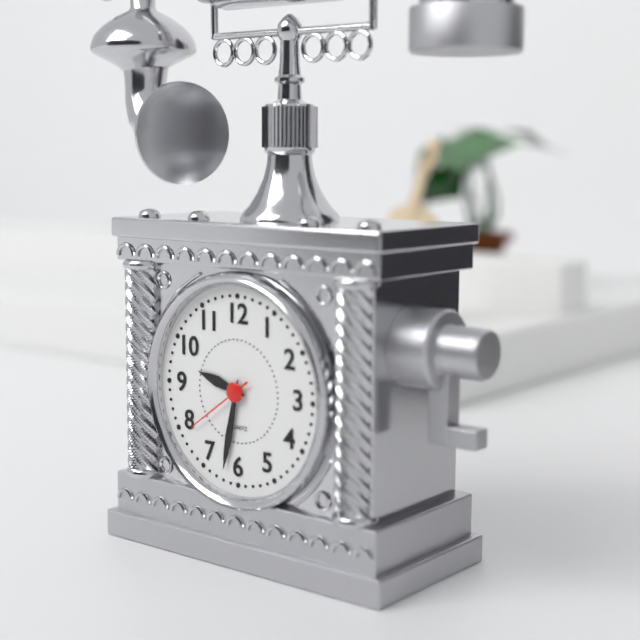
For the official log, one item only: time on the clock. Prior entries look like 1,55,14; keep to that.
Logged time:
9,32,39
